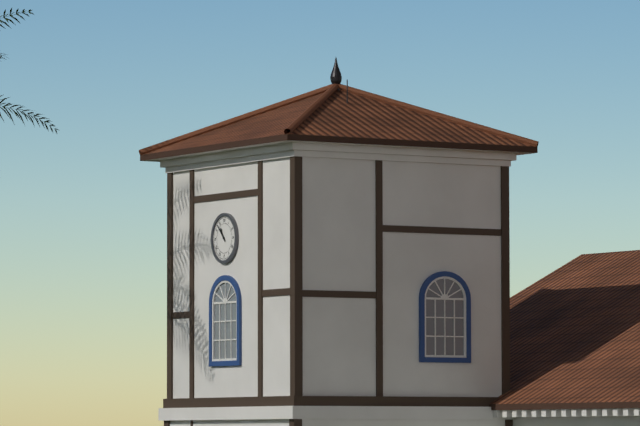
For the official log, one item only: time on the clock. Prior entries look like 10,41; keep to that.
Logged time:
10,53
